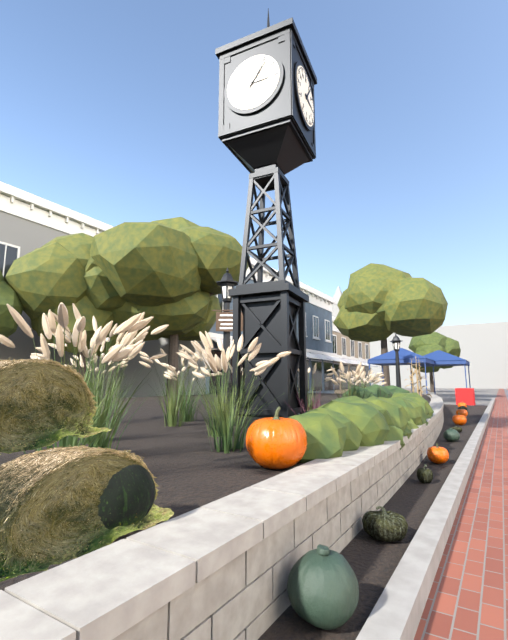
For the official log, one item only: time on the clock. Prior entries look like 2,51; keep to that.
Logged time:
3,06
